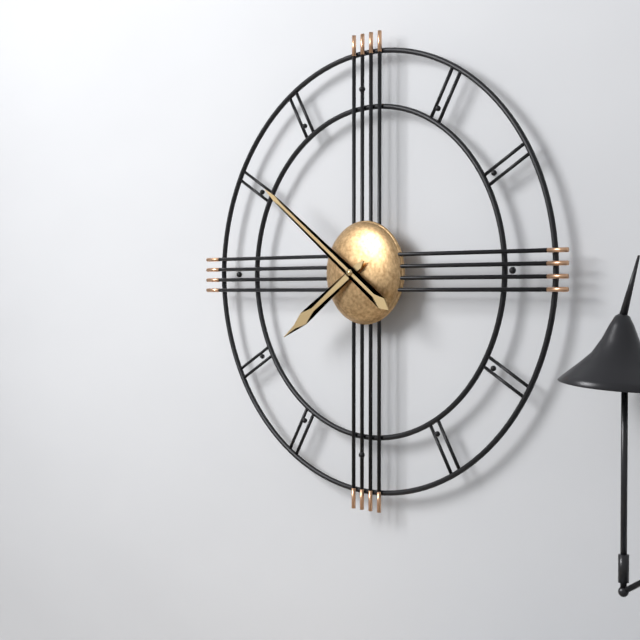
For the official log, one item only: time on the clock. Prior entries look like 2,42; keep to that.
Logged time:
7,51
